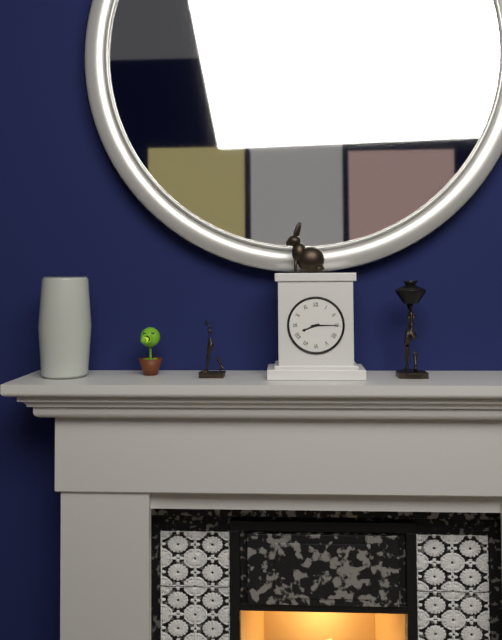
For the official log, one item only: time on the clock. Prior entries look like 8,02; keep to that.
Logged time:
8,15
